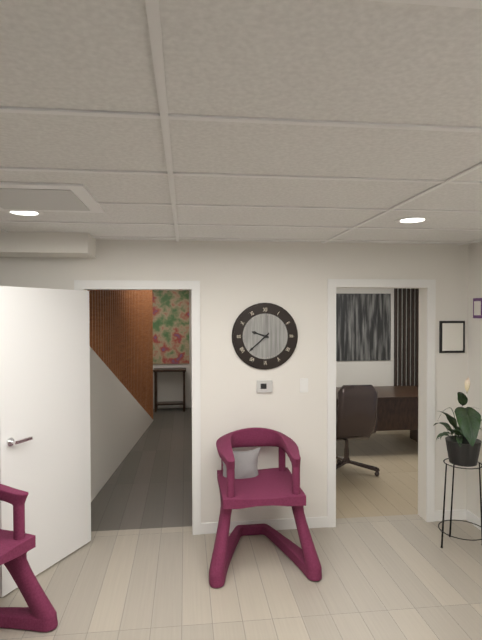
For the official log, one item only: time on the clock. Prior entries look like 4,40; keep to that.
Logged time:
9,38
